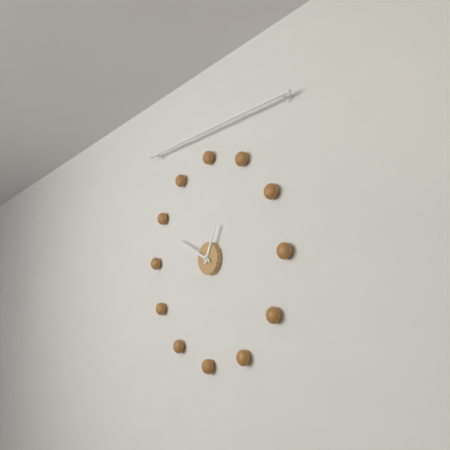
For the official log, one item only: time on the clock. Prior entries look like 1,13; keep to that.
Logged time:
12,49
